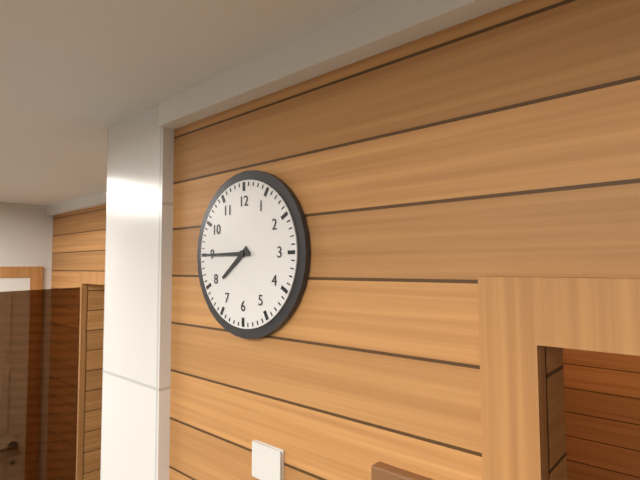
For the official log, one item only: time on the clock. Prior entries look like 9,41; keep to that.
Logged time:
7,45
